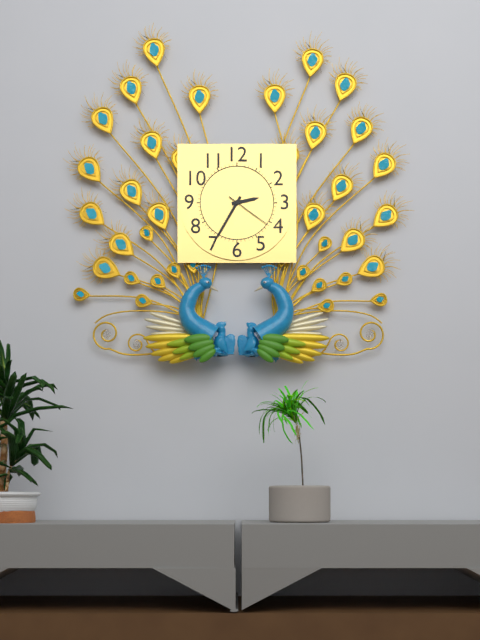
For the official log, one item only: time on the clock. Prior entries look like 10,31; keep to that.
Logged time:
2,35
